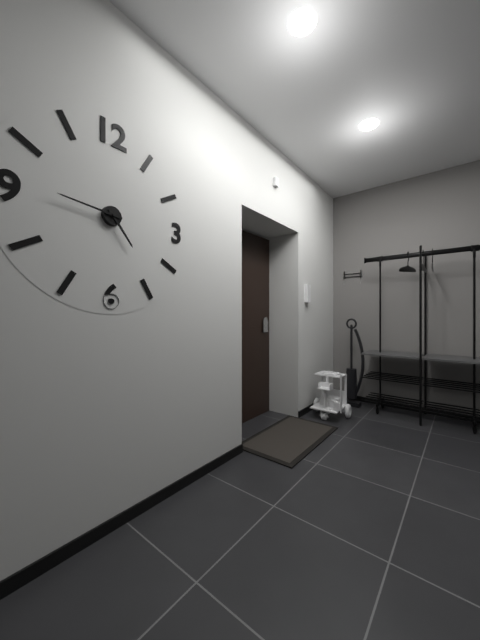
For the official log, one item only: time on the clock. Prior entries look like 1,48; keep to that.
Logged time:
4,46
